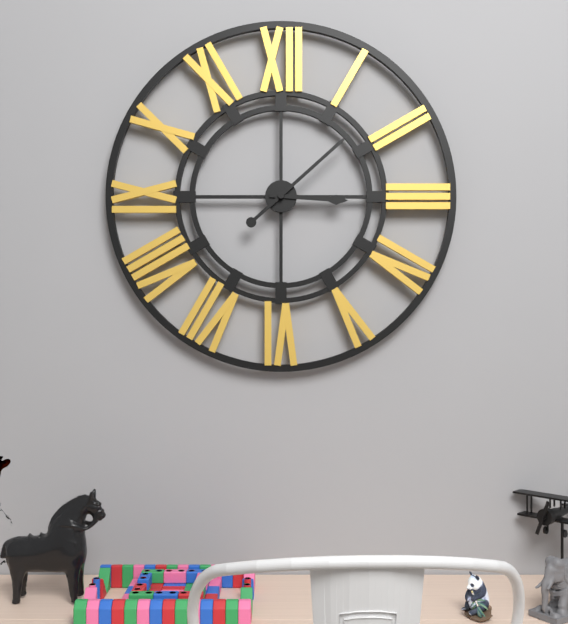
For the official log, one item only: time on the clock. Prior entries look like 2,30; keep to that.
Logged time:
3,08
